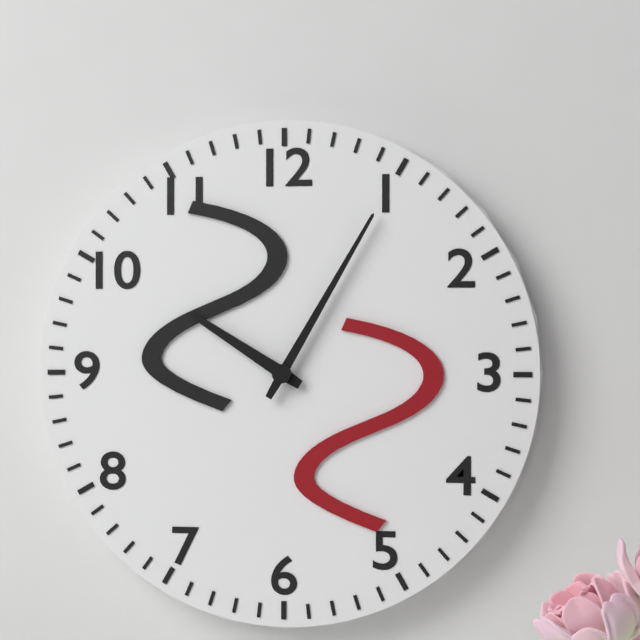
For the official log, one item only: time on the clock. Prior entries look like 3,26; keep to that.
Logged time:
10,05
